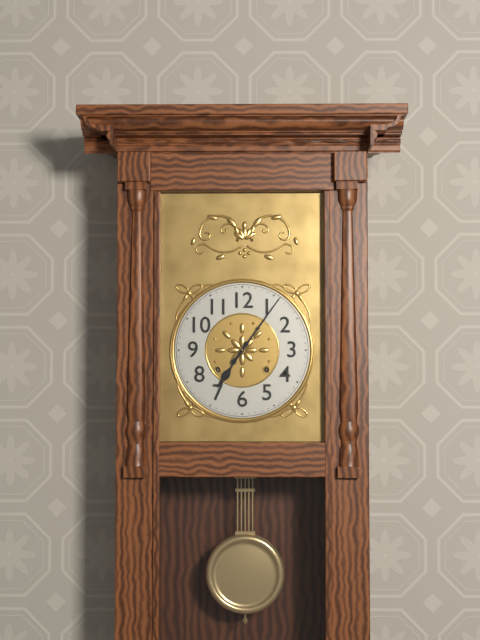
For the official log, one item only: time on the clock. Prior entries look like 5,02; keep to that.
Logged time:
7,06
